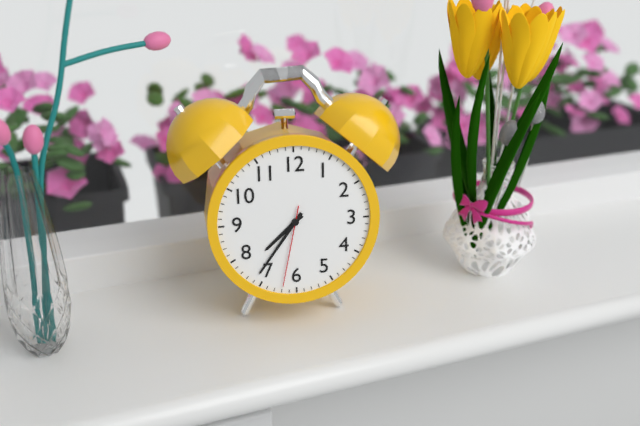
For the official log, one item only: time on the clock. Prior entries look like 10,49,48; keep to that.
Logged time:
7,36,32
